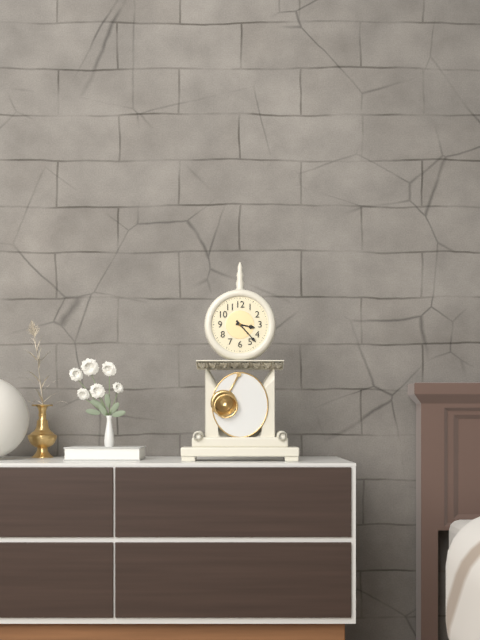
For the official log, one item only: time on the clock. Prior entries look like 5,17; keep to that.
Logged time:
3,23
